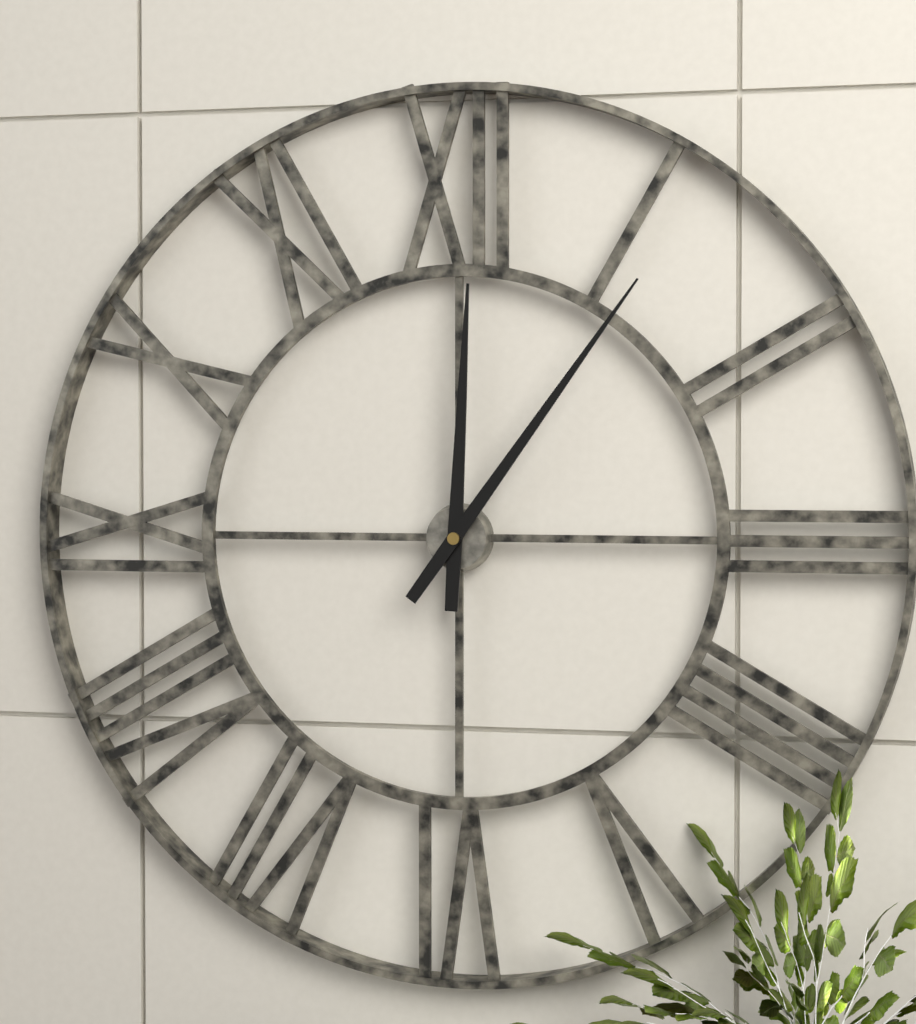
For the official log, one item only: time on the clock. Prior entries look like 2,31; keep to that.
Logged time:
12,06
